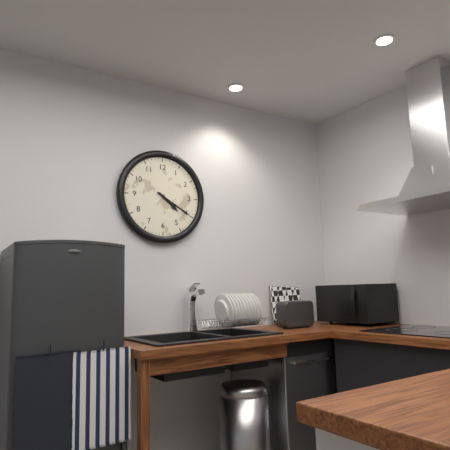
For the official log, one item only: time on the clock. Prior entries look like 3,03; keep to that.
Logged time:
4,20
